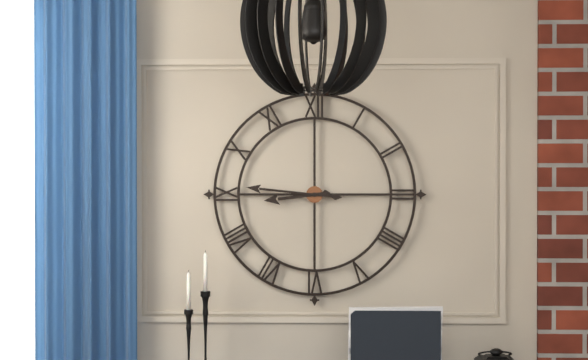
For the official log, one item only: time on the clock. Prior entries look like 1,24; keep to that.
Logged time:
8,46
